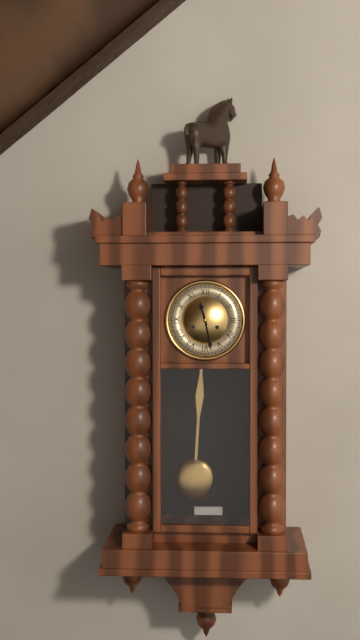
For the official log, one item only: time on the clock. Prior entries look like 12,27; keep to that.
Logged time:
11,28
